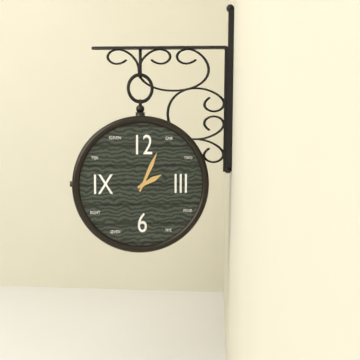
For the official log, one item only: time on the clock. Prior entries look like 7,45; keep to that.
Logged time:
2,04
